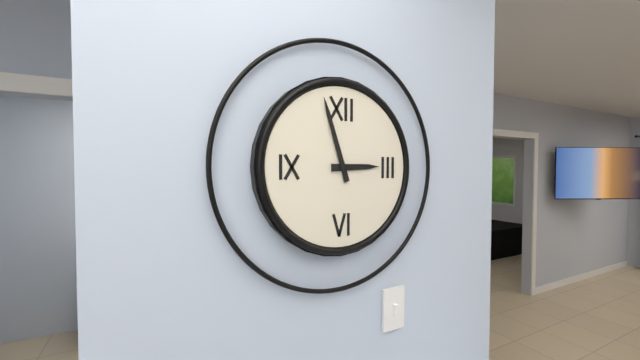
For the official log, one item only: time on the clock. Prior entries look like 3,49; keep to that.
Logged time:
2,57
